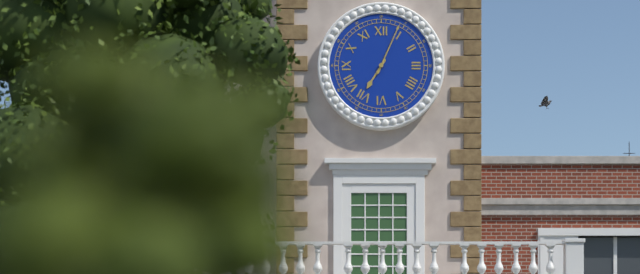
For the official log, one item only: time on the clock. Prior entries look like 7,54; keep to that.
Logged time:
7,04
